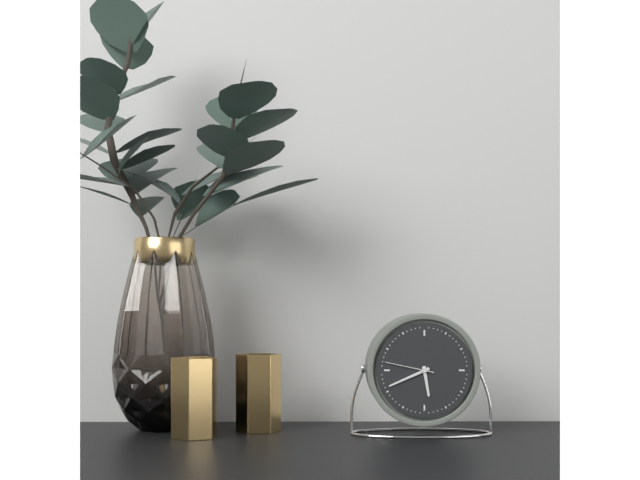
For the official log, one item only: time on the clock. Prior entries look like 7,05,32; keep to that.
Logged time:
5,41,47
